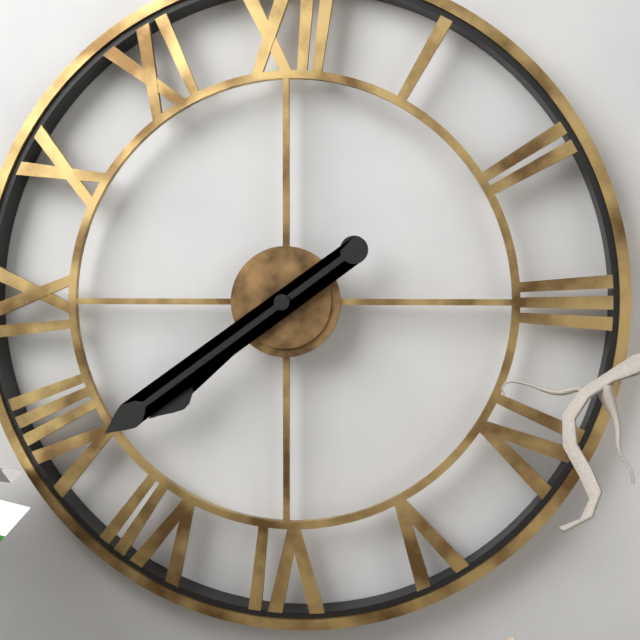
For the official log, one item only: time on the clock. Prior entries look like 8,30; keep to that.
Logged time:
7,39
